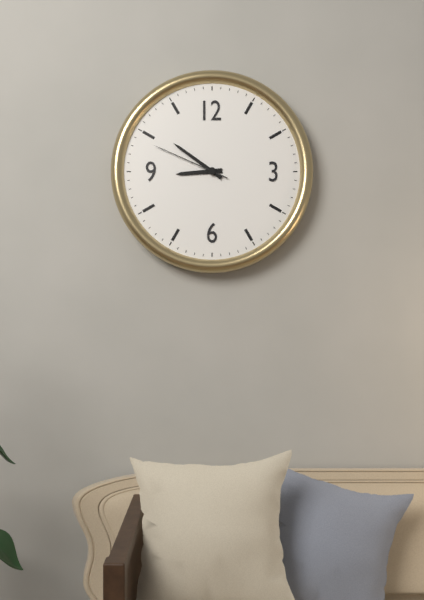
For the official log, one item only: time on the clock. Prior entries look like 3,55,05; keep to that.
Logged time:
8,51,49
